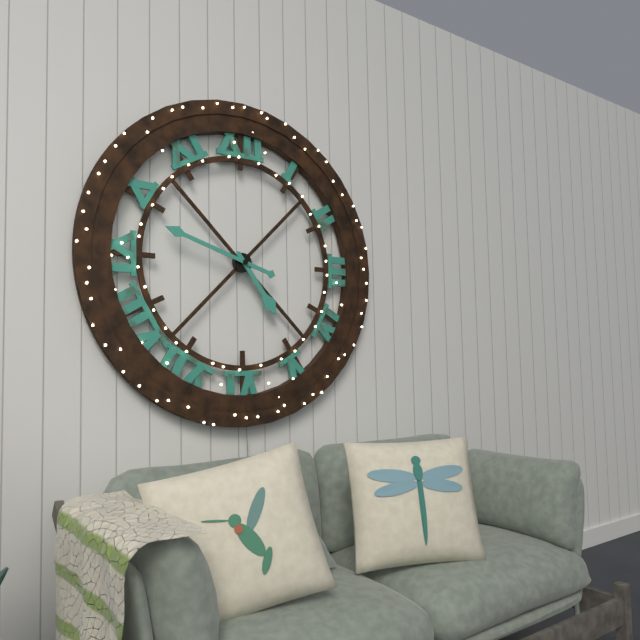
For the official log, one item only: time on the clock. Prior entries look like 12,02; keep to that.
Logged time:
4,48
